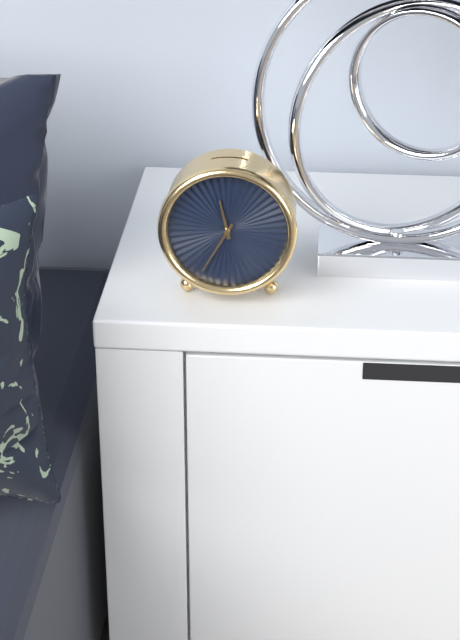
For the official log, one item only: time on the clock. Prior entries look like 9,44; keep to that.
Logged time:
11,35
